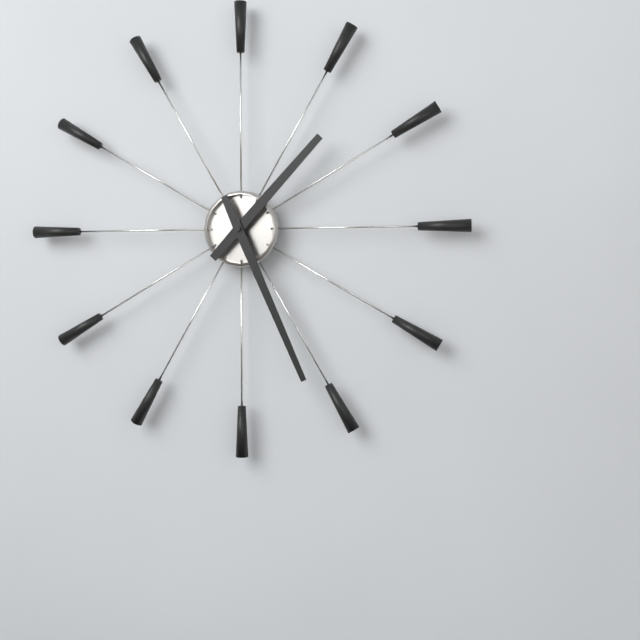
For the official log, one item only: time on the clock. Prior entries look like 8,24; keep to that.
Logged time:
1,26
